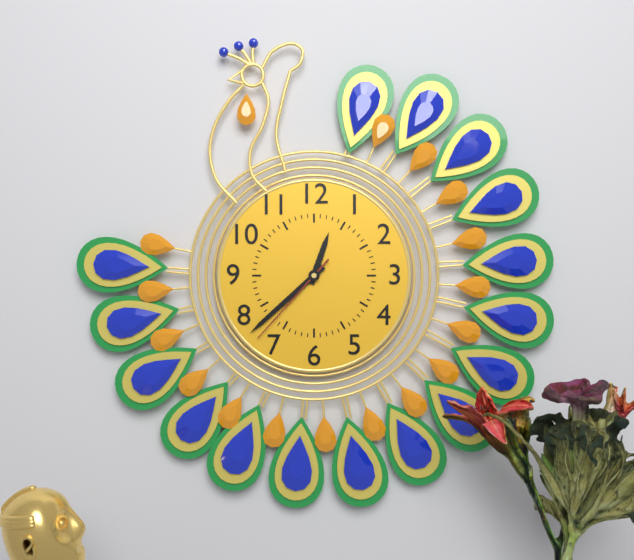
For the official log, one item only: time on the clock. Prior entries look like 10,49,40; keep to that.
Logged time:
12,38,37
